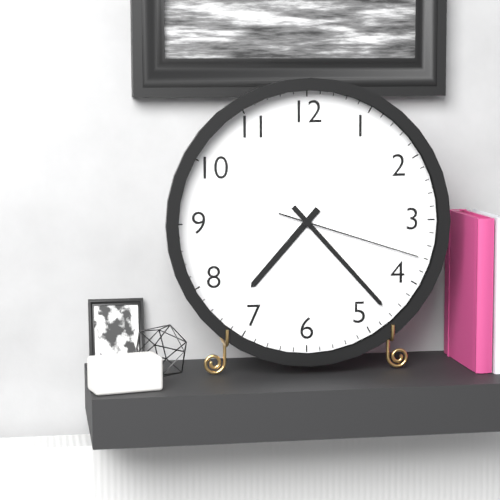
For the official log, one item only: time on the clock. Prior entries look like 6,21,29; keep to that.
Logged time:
7,23,18
